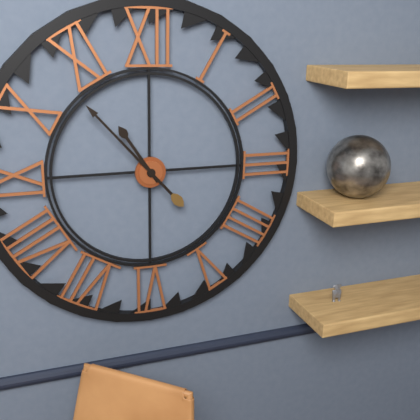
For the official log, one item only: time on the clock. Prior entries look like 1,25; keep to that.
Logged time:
10,53
